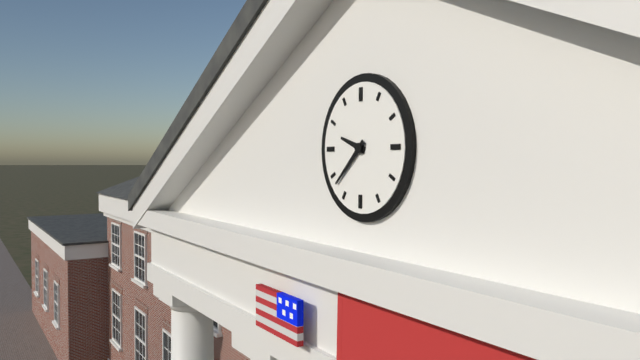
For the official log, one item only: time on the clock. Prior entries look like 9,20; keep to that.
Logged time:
9,38
